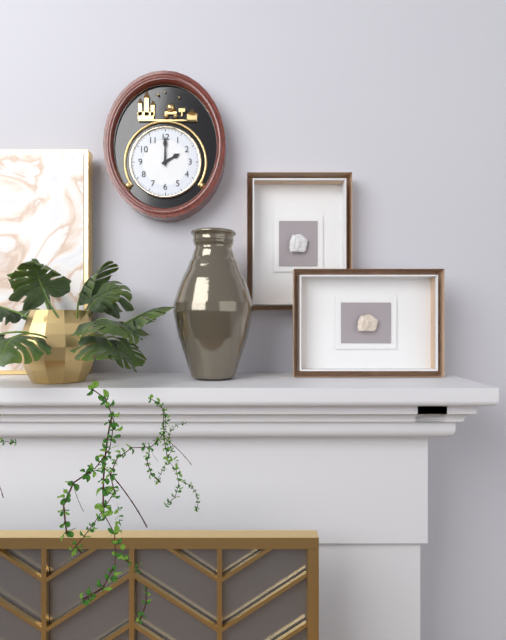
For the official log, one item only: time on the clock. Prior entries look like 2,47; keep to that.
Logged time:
2,00
